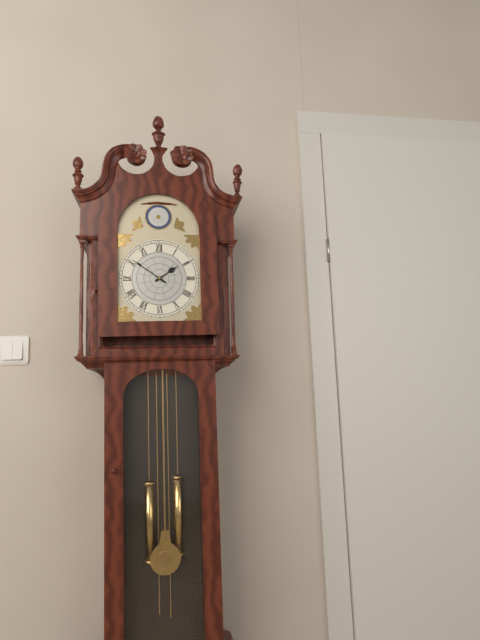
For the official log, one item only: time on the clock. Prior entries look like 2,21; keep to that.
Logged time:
1,51
